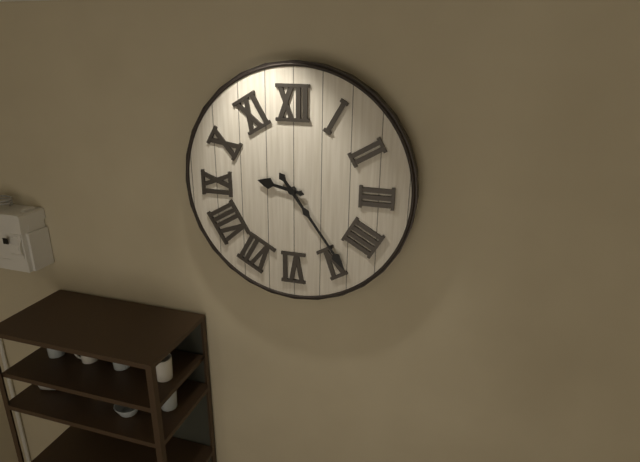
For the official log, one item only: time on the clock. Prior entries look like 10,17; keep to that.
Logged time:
9,24
